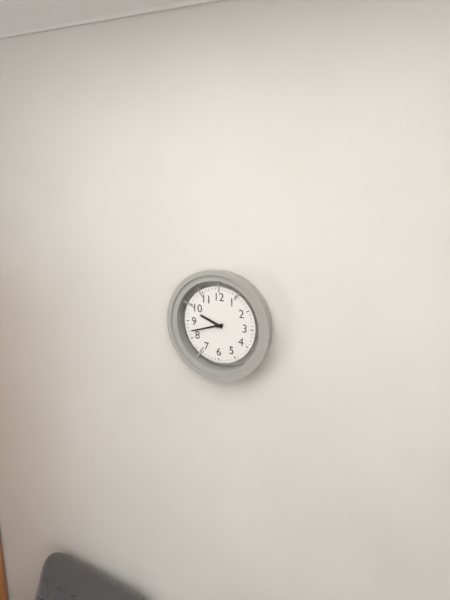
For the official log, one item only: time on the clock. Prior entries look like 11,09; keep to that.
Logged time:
9,42
